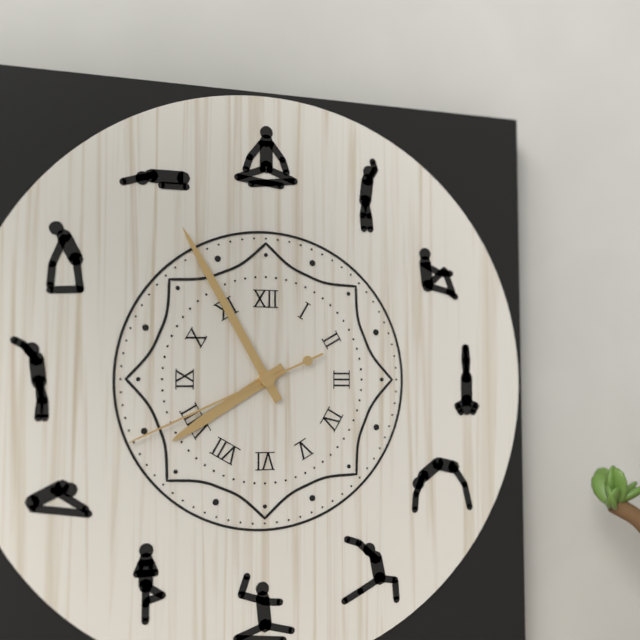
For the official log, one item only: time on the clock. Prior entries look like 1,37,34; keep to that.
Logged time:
7,55,41
